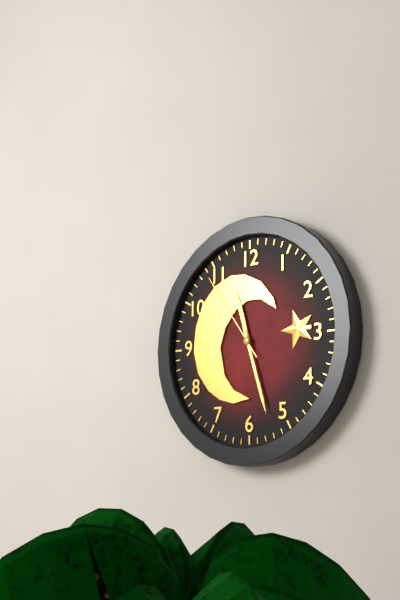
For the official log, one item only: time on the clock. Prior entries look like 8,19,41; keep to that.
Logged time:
11,27,54
